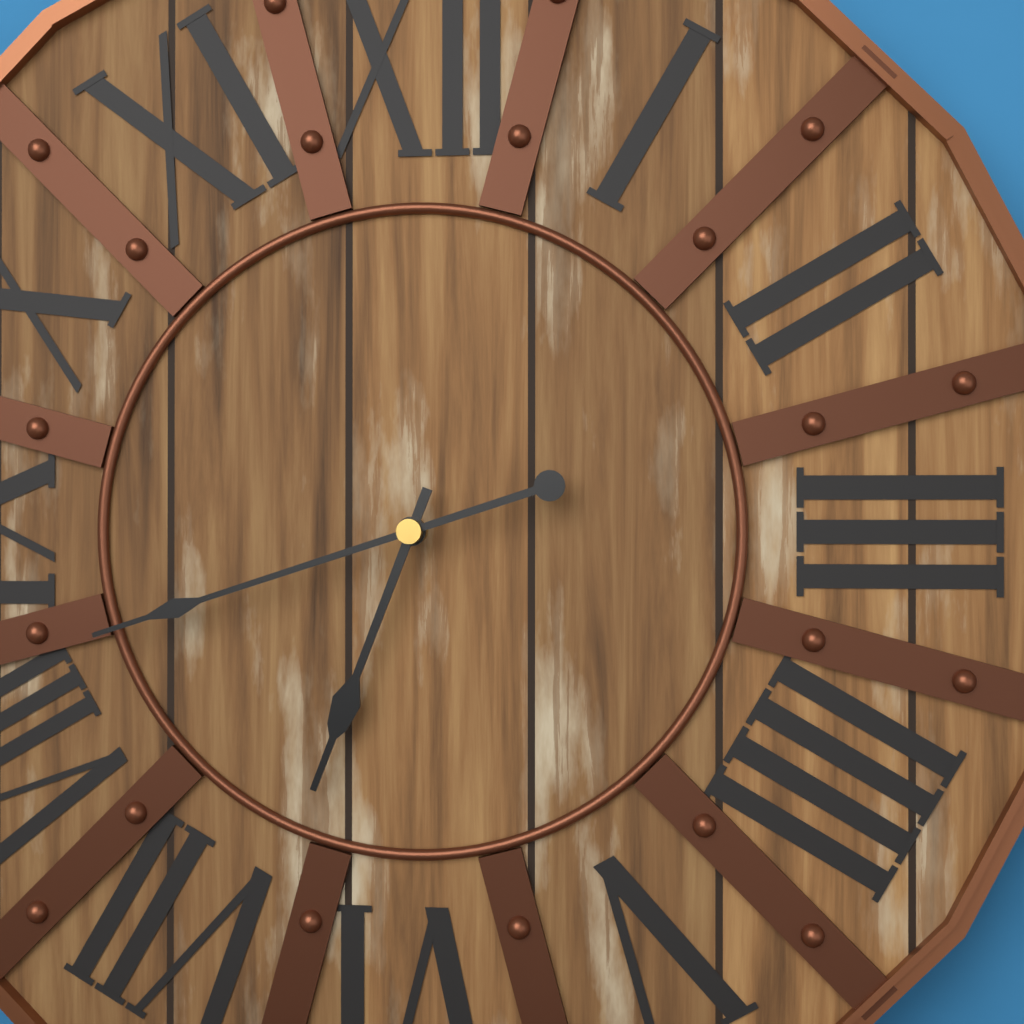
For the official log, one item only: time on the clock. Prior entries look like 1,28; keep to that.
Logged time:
6,42
